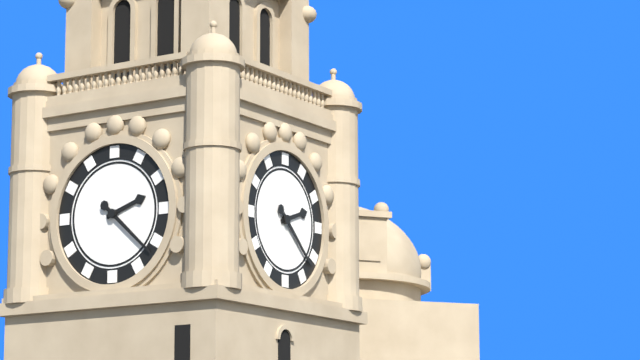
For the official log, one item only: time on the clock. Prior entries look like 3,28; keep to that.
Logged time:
2,22
